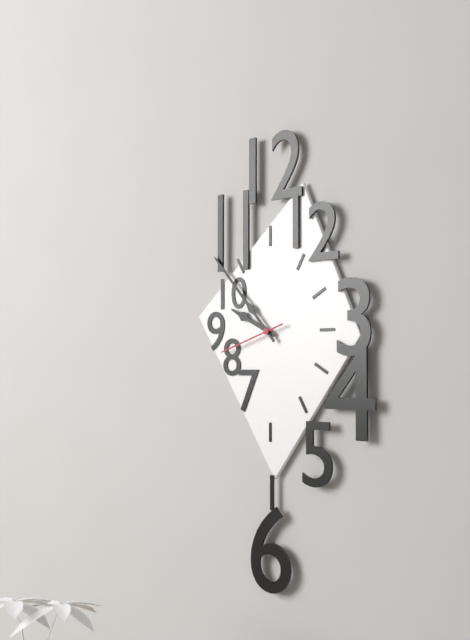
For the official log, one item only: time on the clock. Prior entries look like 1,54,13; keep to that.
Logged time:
9,53,42
